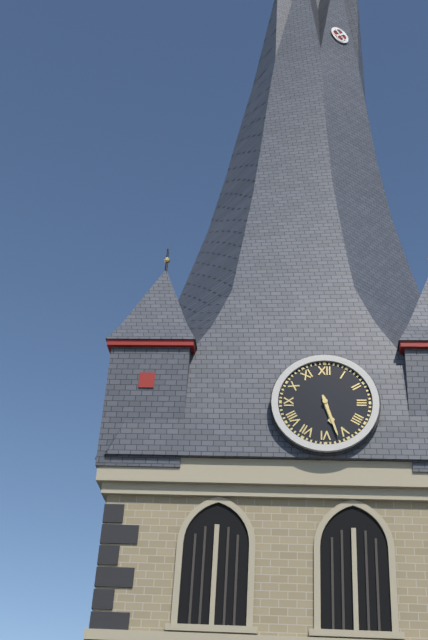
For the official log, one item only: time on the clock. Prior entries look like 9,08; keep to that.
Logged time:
5,27
